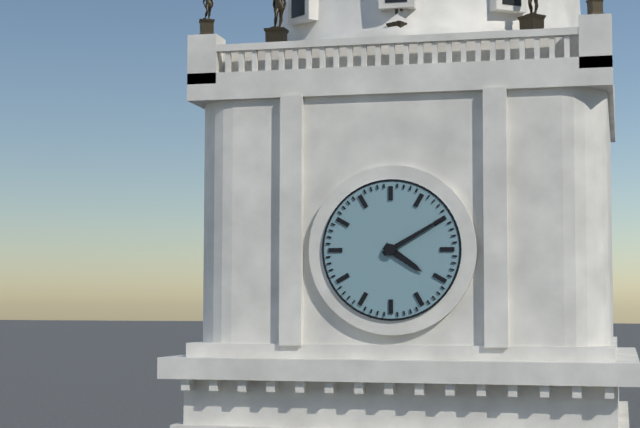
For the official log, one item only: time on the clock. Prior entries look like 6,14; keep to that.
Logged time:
4,10
